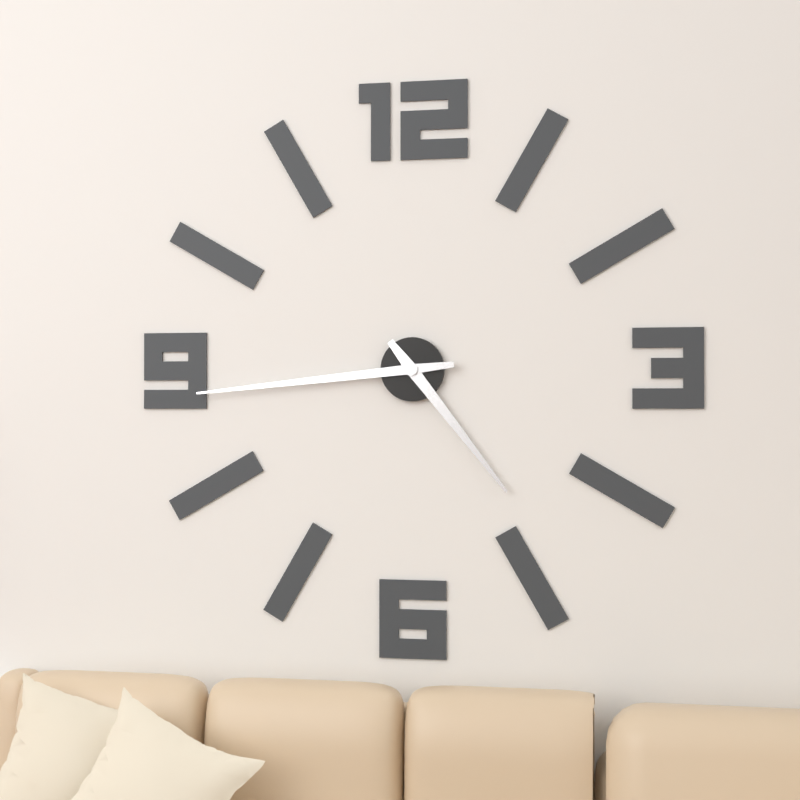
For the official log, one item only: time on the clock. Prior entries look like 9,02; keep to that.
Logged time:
4,44
